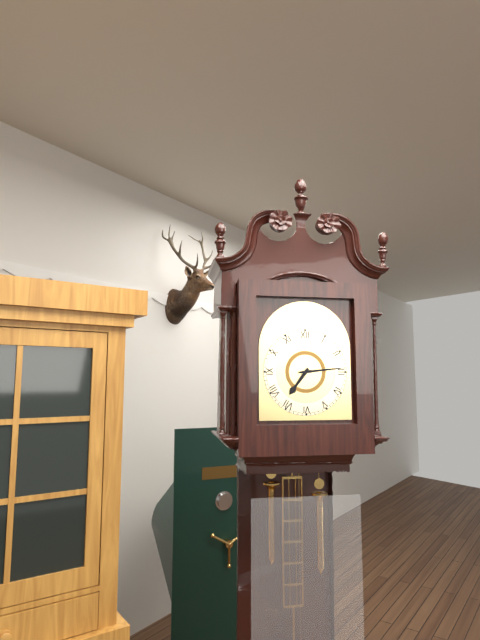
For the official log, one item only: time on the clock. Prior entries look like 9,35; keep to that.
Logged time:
7,14
